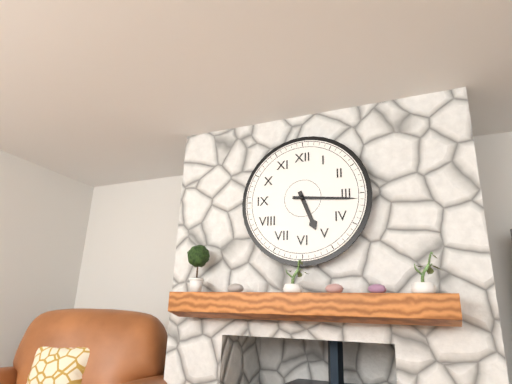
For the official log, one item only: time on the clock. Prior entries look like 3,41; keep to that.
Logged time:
5,16
